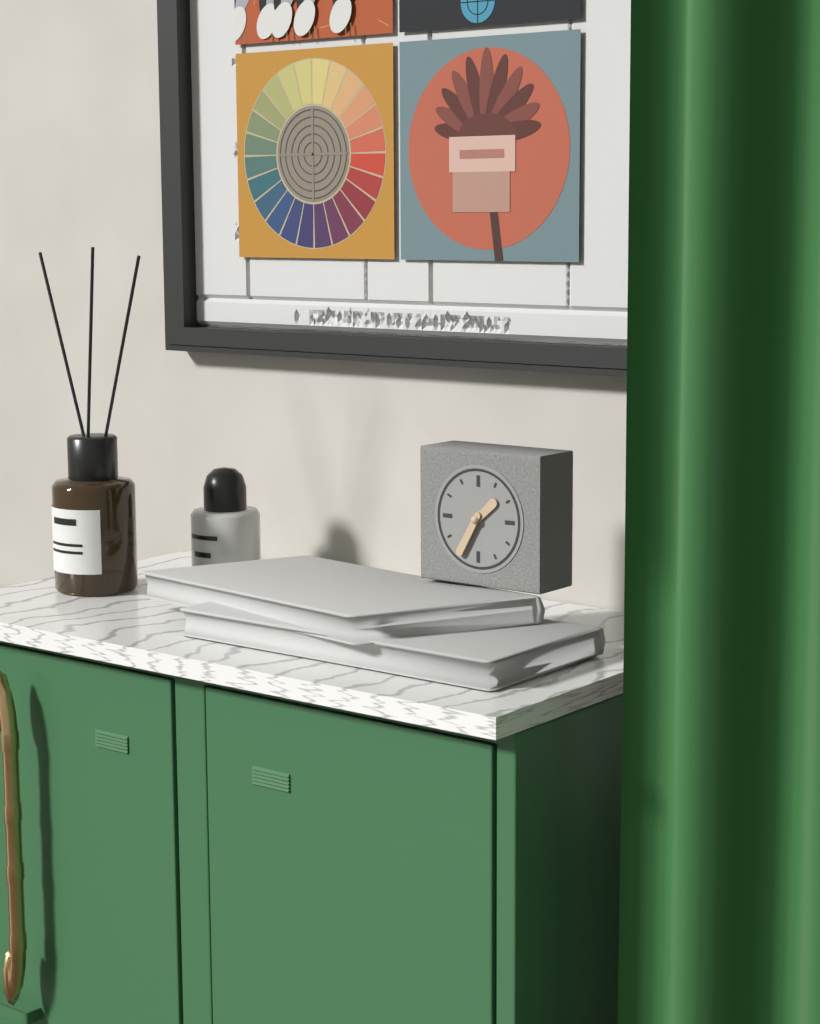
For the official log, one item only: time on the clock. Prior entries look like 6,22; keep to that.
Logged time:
1,35
